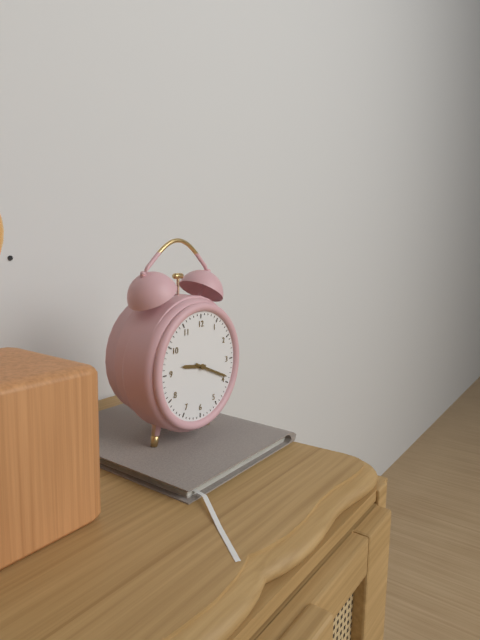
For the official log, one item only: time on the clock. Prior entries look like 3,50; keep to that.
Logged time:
9,19
